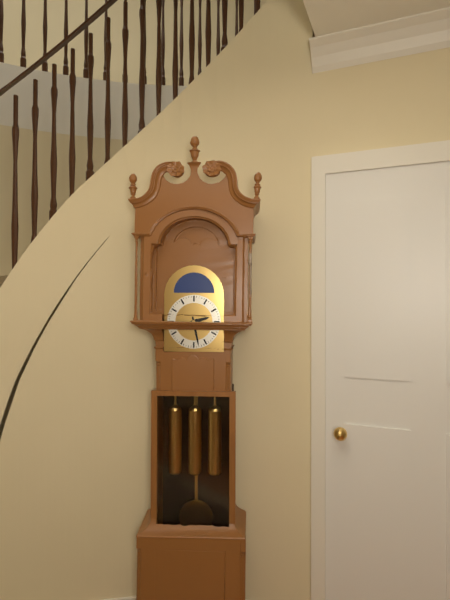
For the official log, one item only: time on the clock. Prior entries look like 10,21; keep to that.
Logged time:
2,28
